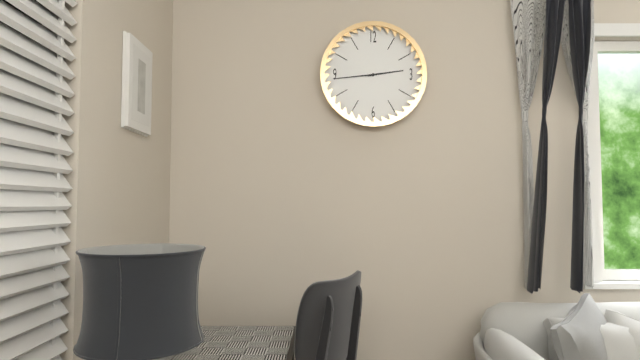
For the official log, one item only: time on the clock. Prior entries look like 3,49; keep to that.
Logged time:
2,44
